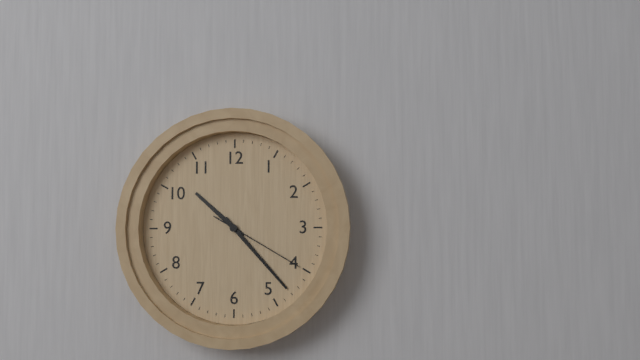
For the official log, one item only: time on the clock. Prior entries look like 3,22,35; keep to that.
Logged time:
10,23,20
